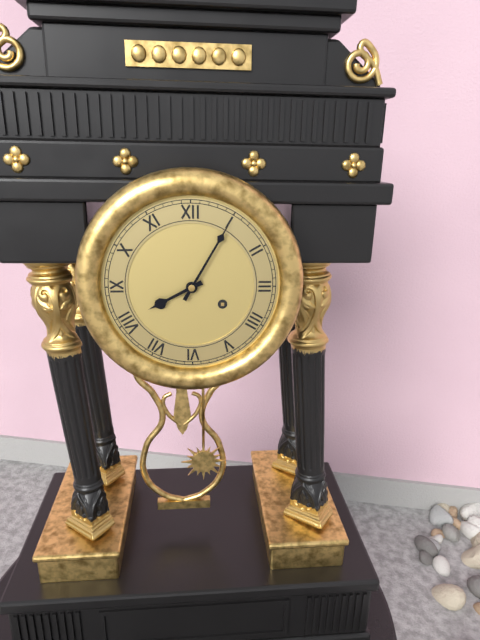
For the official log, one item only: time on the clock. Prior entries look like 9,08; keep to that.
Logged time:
8,05
